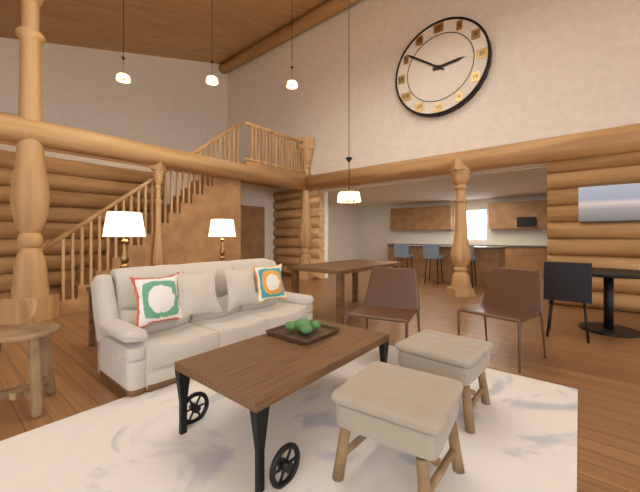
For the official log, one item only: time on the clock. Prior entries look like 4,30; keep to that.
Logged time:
2,51
